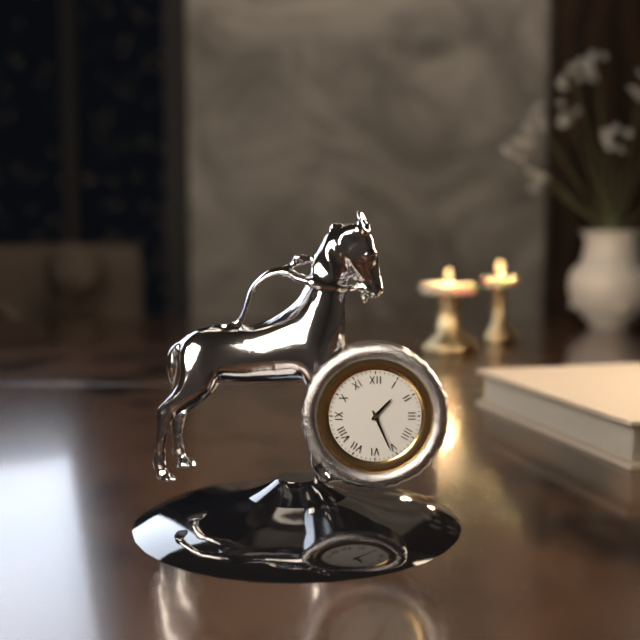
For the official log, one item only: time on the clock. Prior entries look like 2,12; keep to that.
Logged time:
1,26
